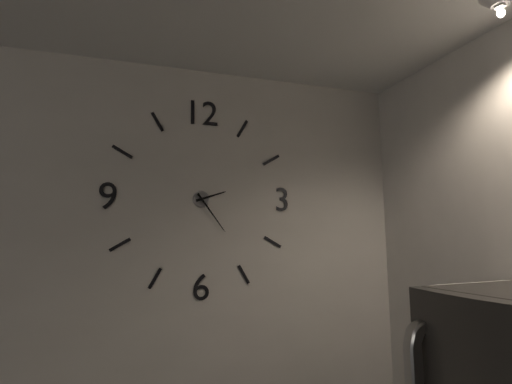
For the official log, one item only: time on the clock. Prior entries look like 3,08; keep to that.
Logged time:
2,24
